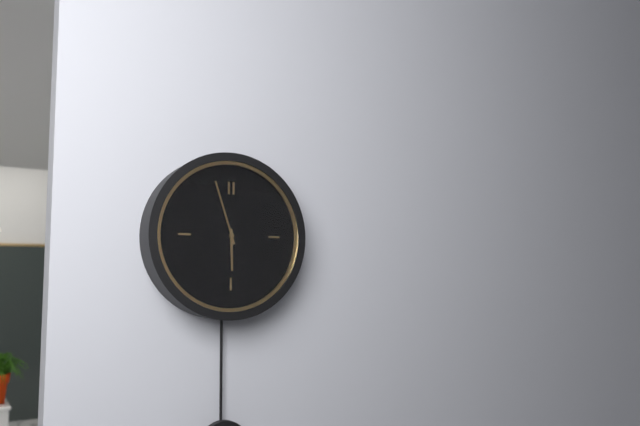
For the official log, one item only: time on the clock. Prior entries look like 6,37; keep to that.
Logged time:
5,57
